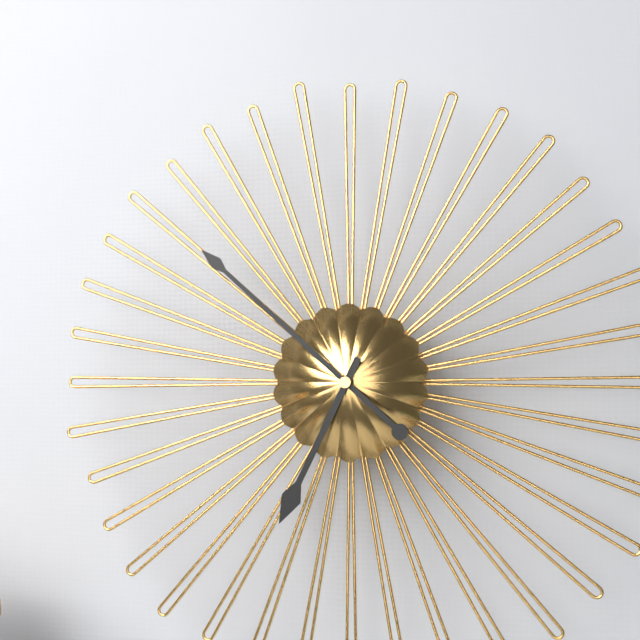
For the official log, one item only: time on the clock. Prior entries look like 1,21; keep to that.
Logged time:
6,52
